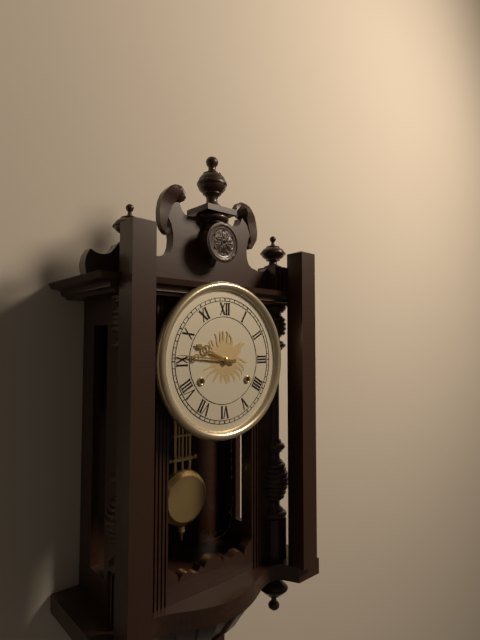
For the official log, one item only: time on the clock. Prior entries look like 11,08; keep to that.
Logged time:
9,46
